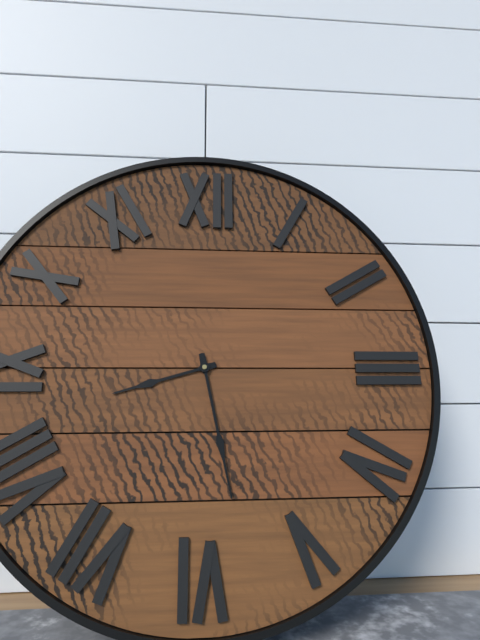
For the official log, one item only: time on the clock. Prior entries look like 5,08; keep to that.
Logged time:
8,28
